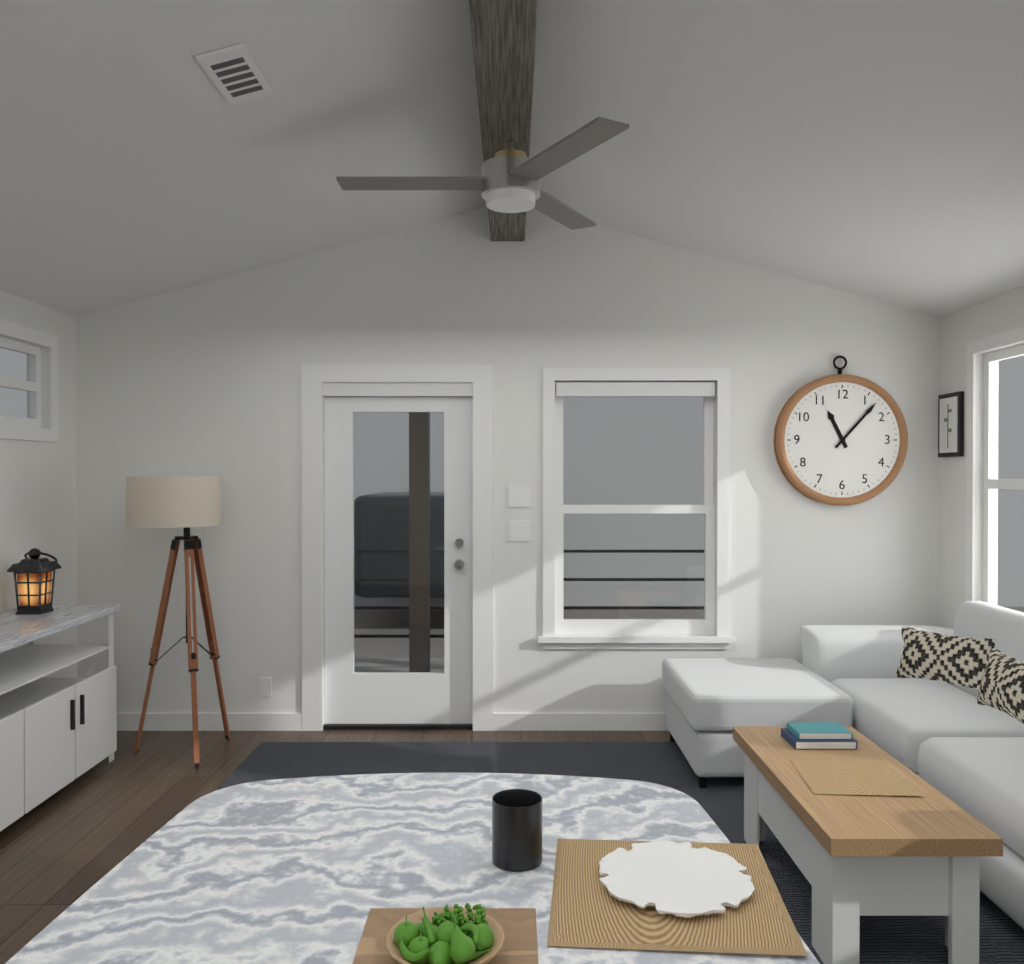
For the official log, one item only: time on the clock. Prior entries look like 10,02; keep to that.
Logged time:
11,07
